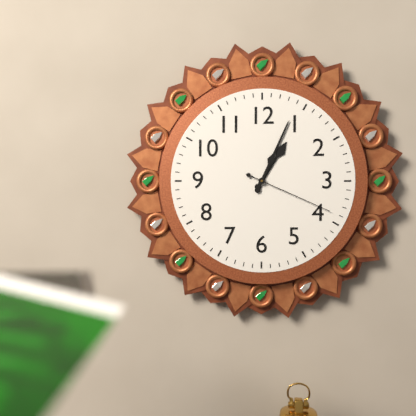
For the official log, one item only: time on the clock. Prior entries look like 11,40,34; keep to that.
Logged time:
1,04,19
